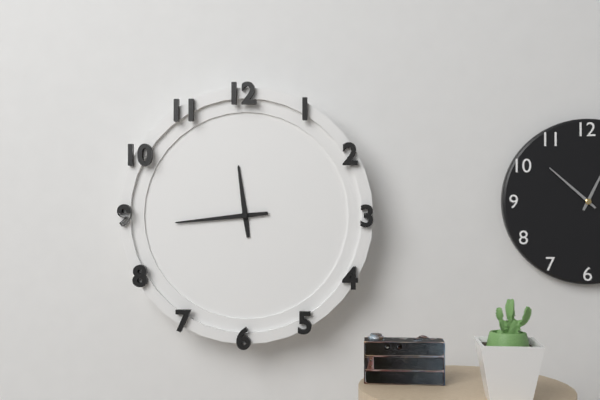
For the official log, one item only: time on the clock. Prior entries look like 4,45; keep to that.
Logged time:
11,44
